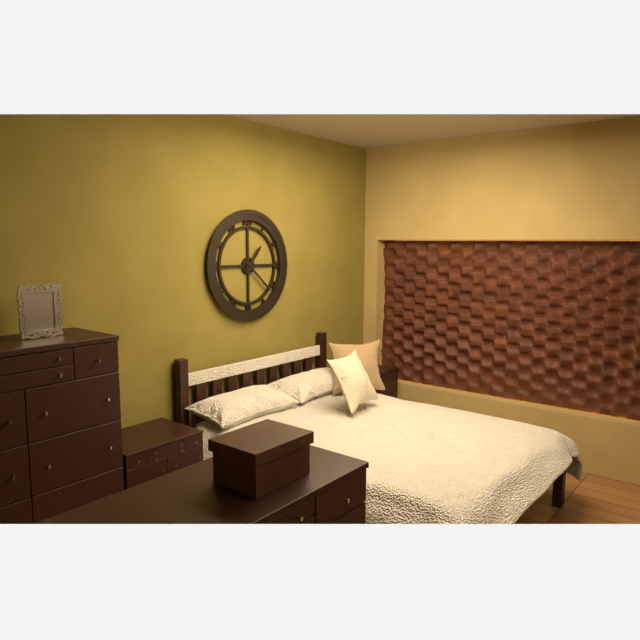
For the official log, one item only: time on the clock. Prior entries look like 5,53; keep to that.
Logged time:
1,22
